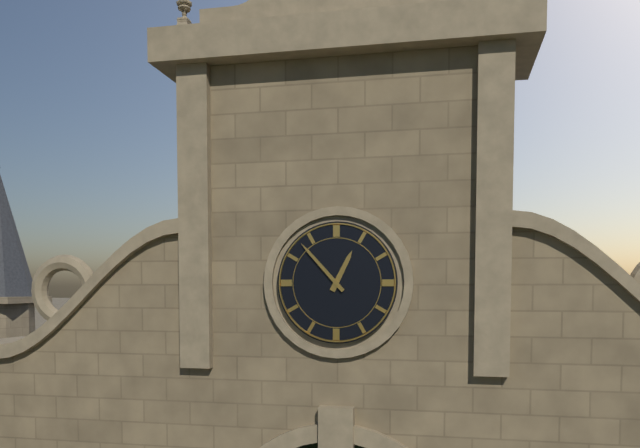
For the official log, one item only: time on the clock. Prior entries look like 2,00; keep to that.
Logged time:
12,53
